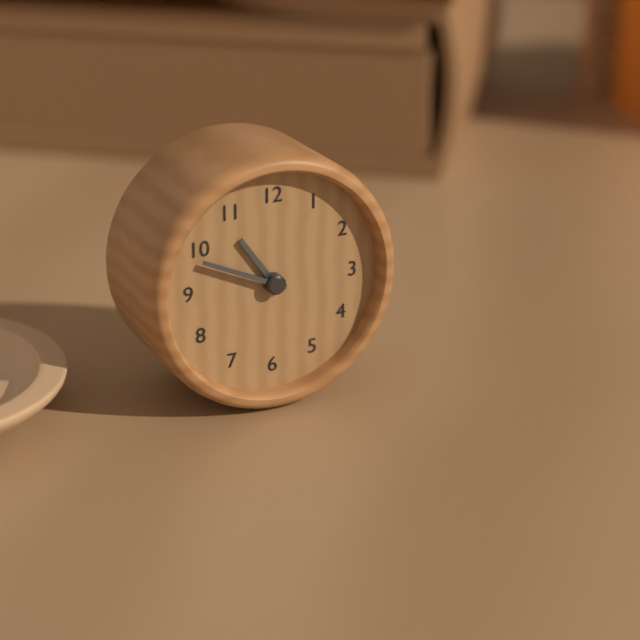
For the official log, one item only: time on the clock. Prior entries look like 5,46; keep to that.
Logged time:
10,49
